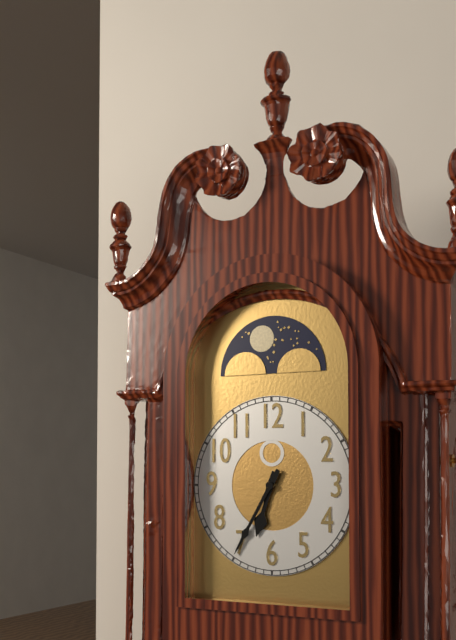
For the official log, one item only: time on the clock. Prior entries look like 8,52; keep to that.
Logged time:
6,35
